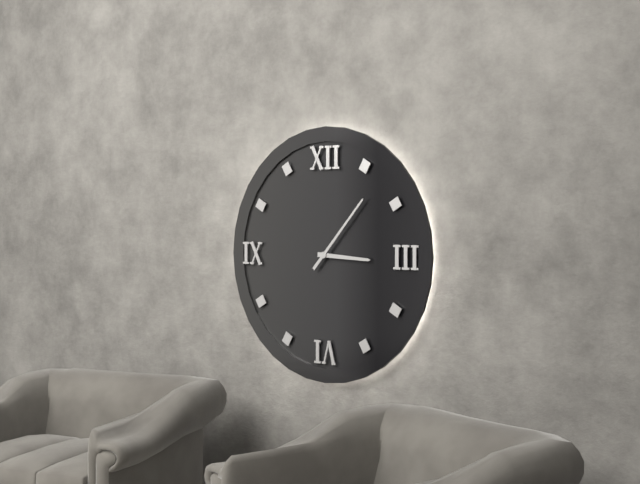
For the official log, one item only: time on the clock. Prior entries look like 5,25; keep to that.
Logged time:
3,07
